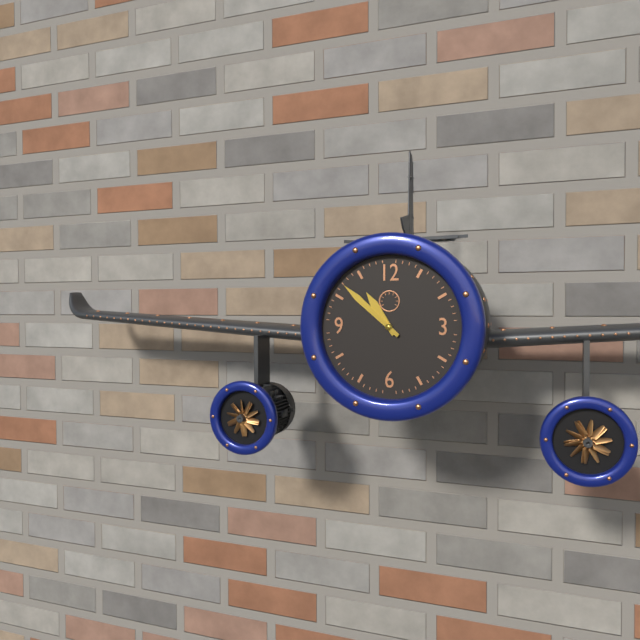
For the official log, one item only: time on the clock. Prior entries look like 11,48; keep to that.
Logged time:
10,52
